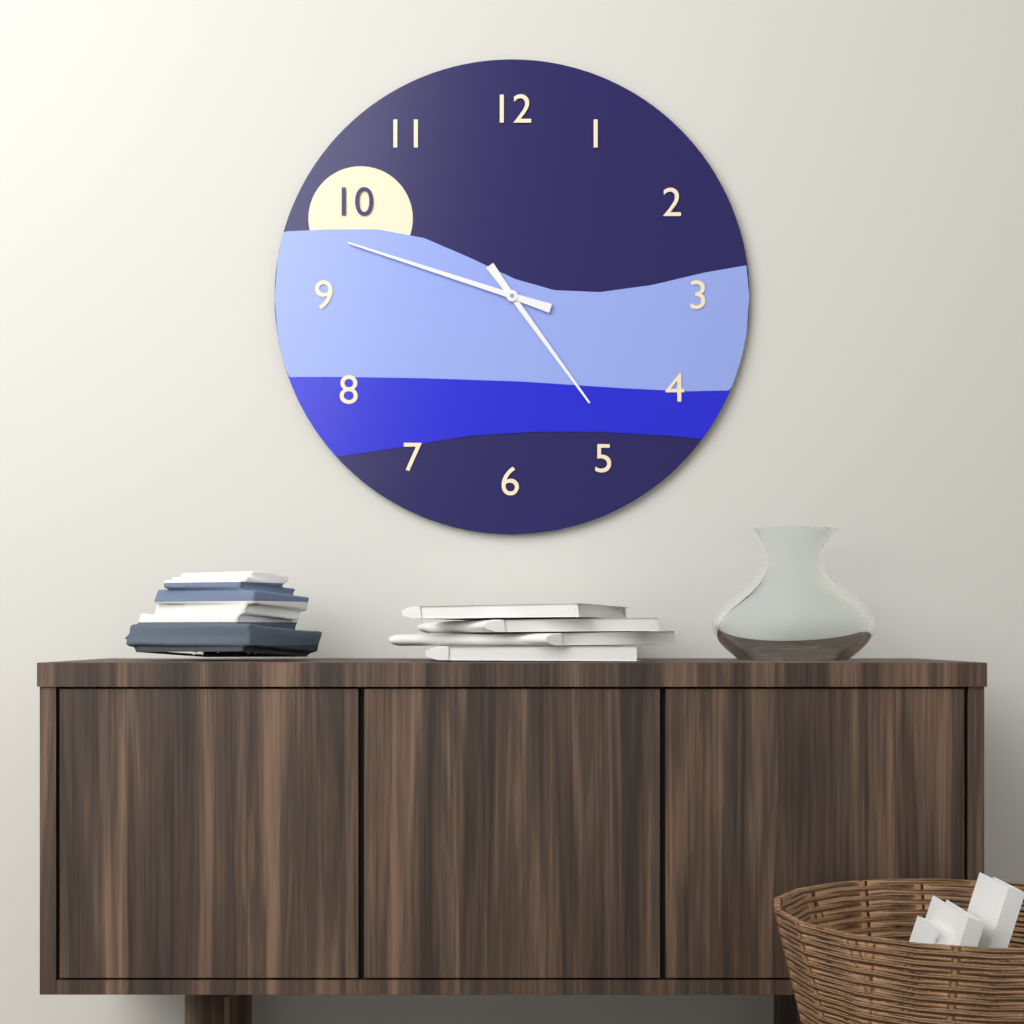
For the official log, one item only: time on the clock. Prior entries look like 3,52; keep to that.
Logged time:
4,48
